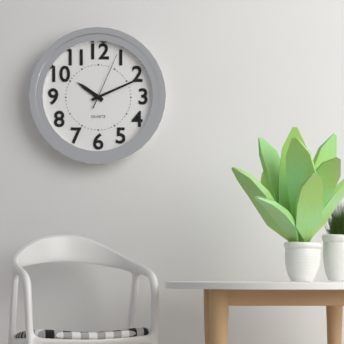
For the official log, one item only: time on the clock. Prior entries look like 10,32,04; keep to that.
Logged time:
10,11,04
